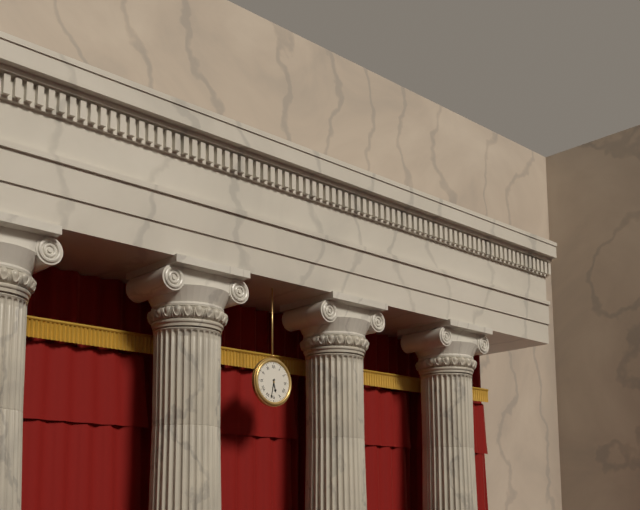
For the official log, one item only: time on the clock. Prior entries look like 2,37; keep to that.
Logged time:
5,32
